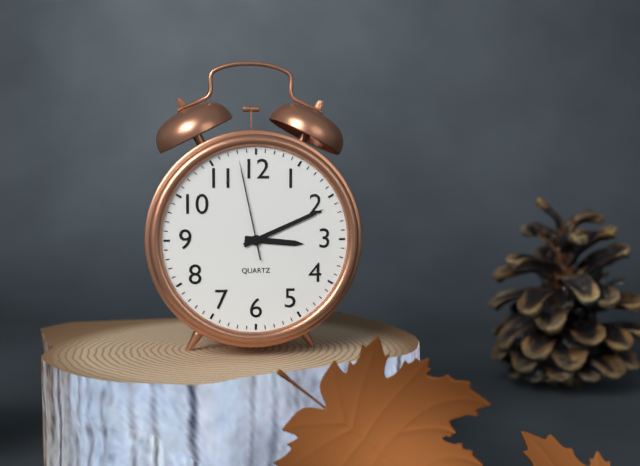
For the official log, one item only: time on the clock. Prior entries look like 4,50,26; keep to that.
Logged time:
3,11,58
